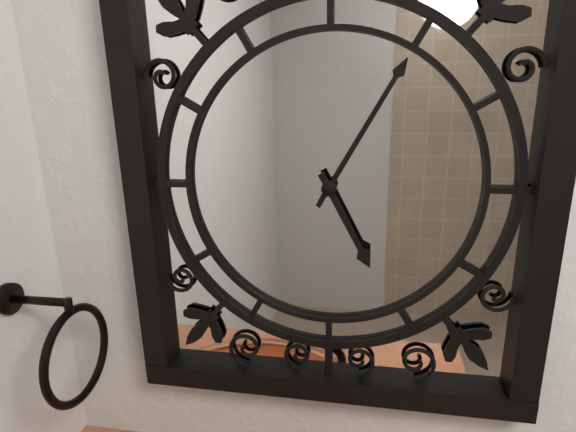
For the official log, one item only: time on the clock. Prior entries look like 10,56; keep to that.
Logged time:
5,05
